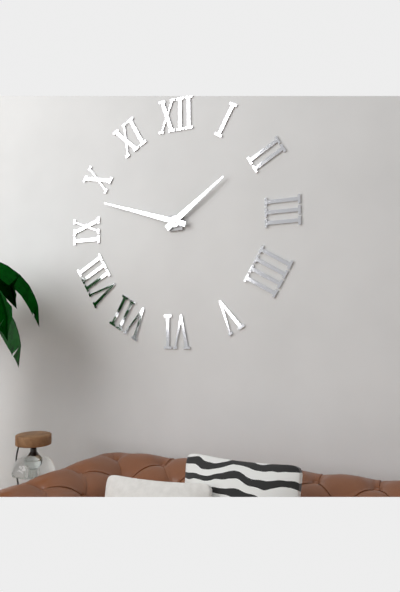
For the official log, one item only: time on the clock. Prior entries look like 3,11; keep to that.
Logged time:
1,48
